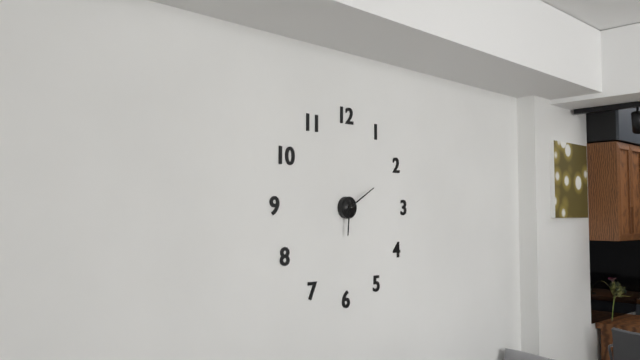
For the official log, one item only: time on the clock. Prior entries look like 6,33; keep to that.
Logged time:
6,10
